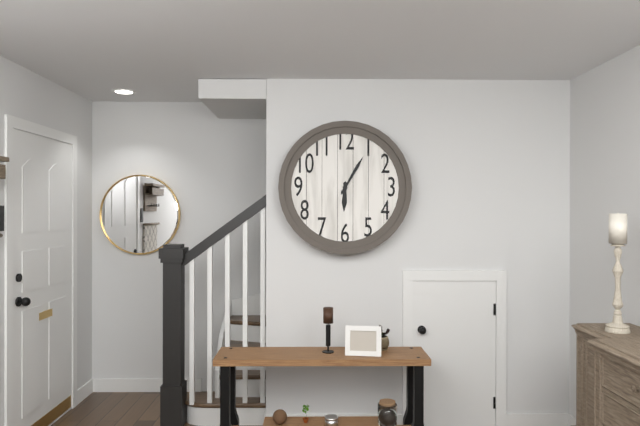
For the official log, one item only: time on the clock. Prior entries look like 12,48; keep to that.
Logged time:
6,05
